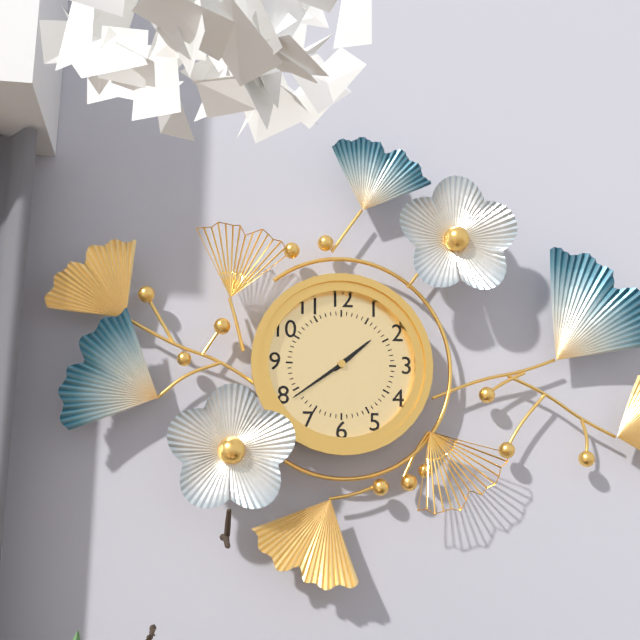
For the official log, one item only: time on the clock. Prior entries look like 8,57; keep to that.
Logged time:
1,39
